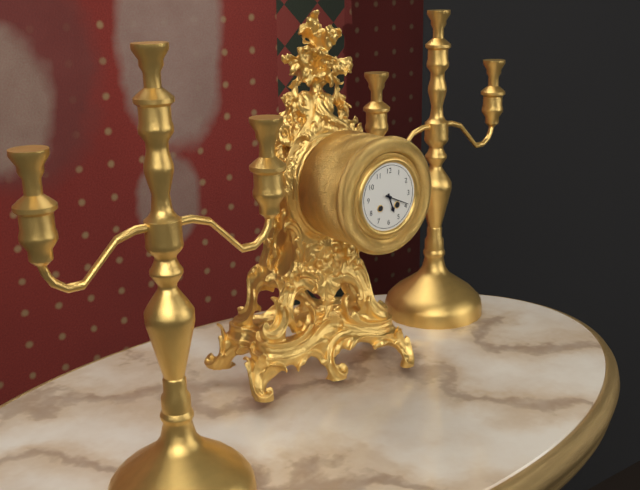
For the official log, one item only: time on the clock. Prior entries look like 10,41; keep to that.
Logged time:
5,19
